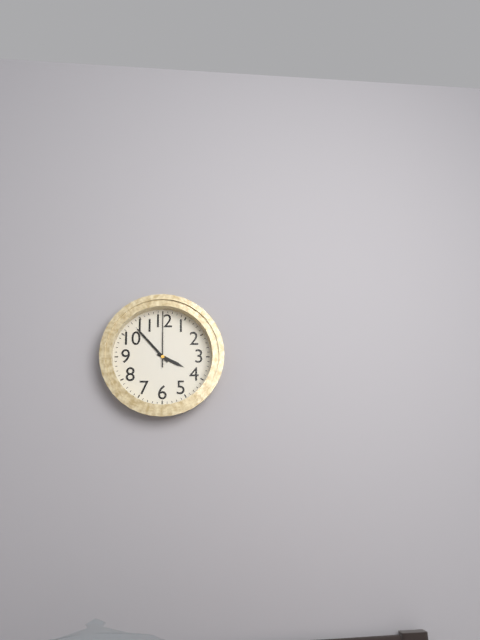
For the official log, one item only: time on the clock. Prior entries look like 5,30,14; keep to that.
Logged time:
3,53,00
